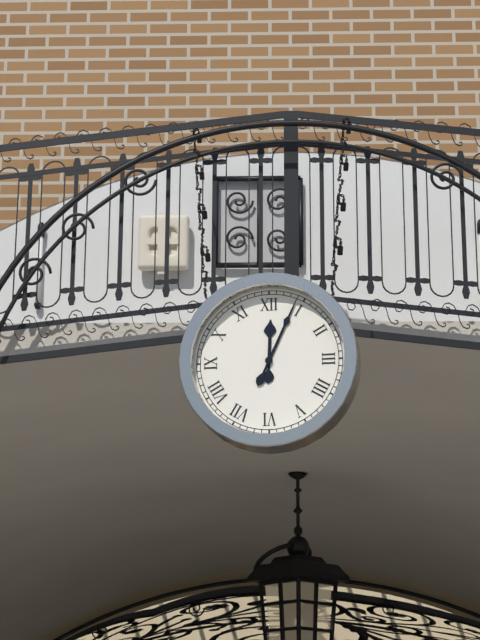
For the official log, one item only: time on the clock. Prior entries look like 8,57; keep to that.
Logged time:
12,04
